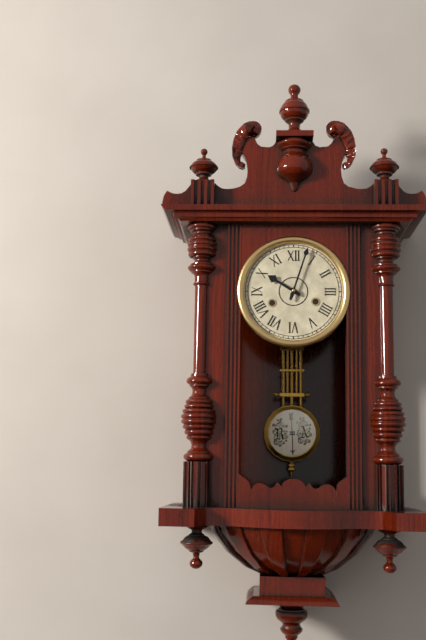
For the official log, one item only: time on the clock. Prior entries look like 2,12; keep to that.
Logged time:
10,03
